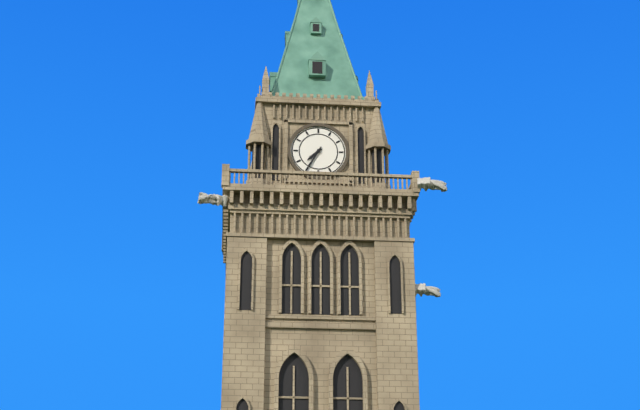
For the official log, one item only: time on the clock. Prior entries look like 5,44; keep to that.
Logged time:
7,35
